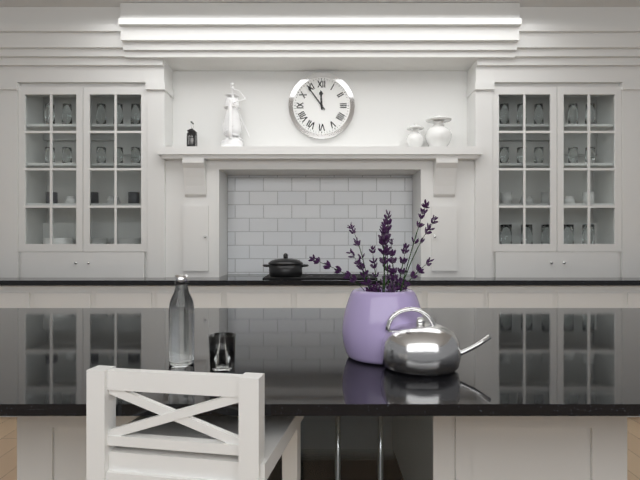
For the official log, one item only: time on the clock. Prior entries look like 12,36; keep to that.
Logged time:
11,54
